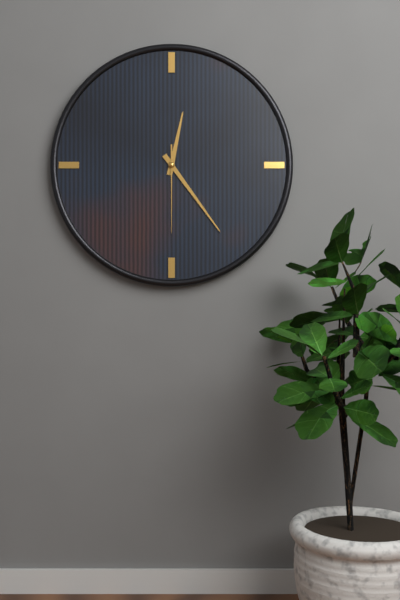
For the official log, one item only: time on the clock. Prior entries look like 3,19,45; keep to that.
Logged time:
12,24,30
